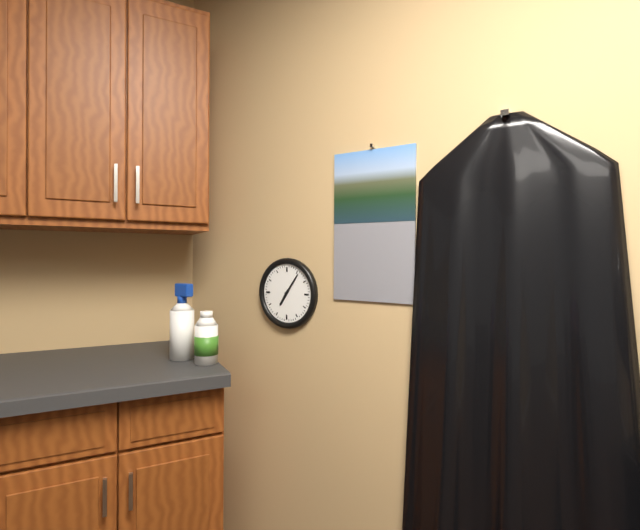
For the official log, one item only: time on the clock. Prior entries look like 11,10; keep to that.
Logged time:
7,06
